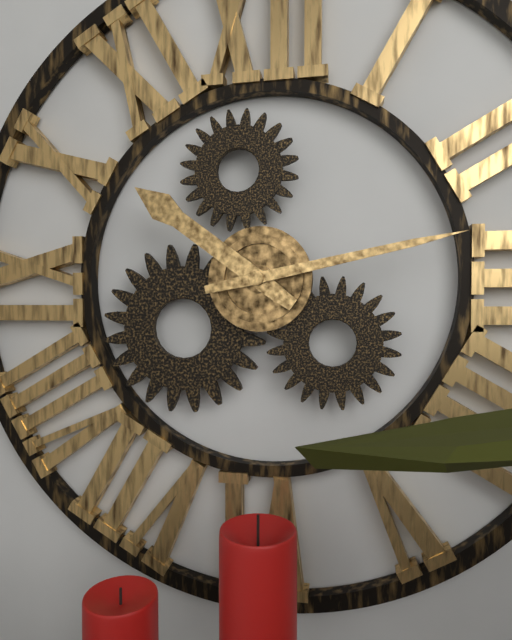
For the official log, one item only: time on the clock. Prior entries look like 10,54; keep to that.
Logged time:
10,13
